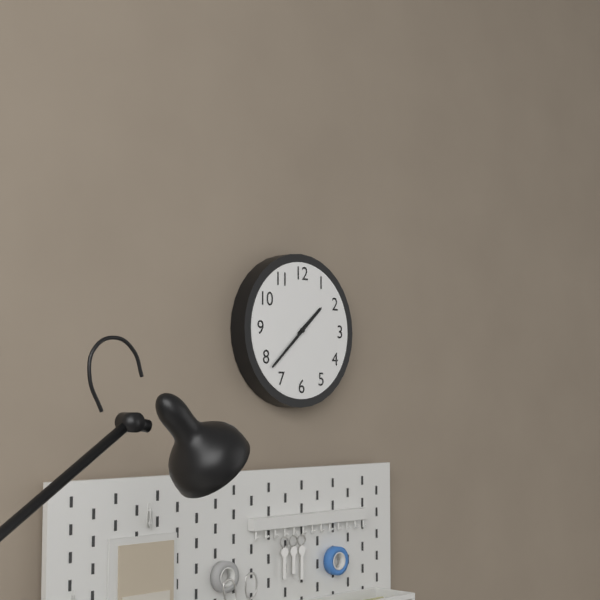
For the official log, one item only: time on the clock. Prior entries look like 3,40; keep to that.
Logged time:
1,38
